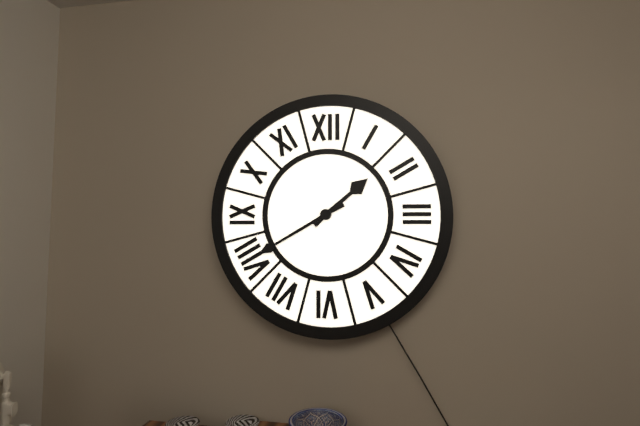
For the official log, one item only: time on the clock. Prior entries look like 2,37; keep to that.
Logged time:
1,40
